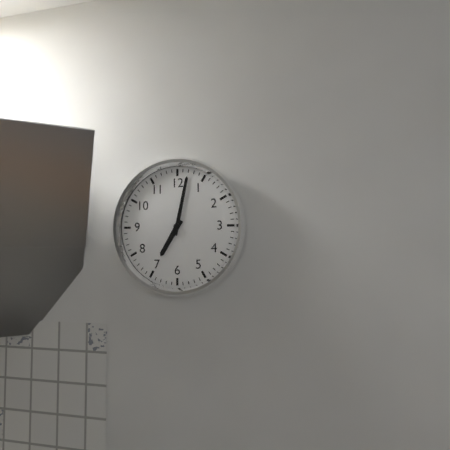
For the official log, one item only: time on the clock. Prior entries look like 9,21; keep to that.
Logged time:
7,02
